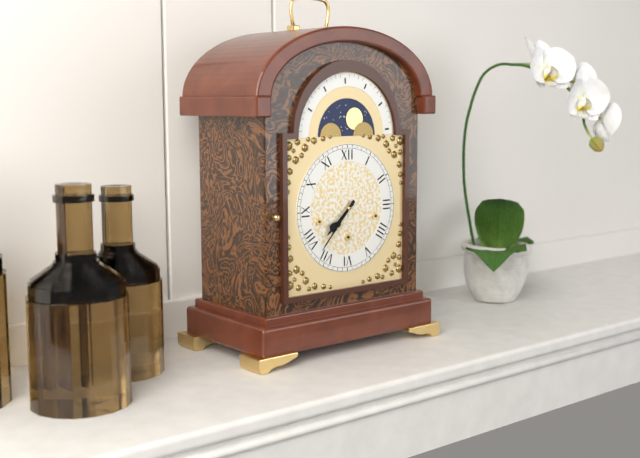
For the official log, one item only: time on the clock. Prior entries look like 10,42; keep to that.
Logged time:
7,37
